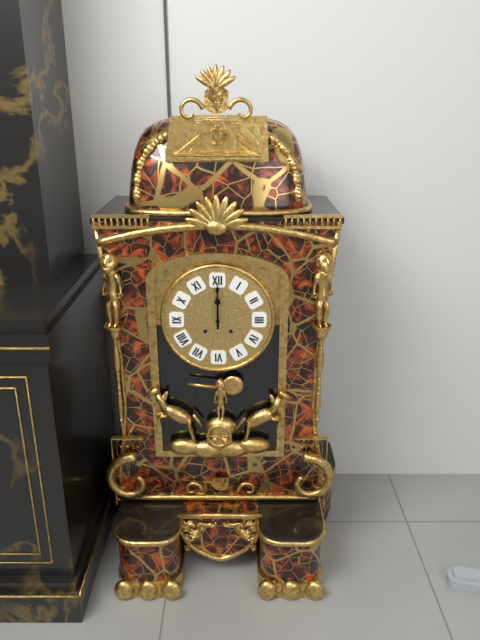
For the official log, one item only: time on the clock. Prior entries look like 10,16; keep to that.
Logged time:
12,00
